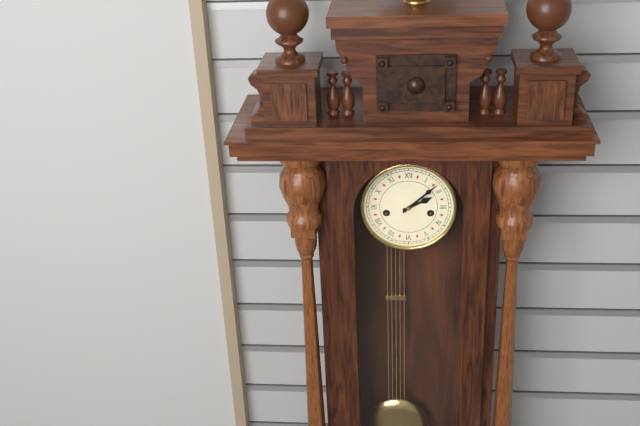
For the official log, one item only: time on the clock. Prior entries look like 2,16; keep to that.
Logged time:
2,08
